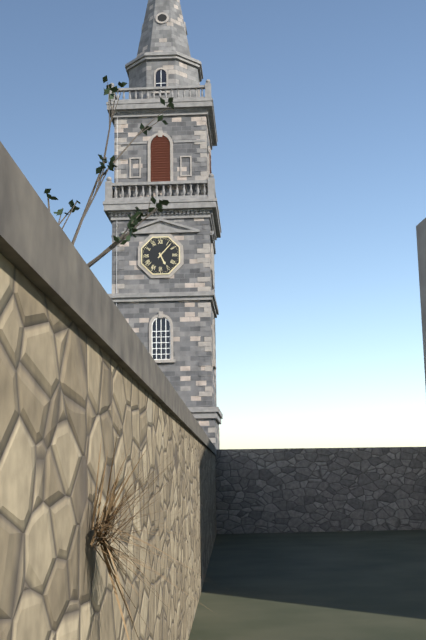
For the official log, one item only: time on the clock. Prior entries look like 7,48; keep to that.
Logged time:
5,07
